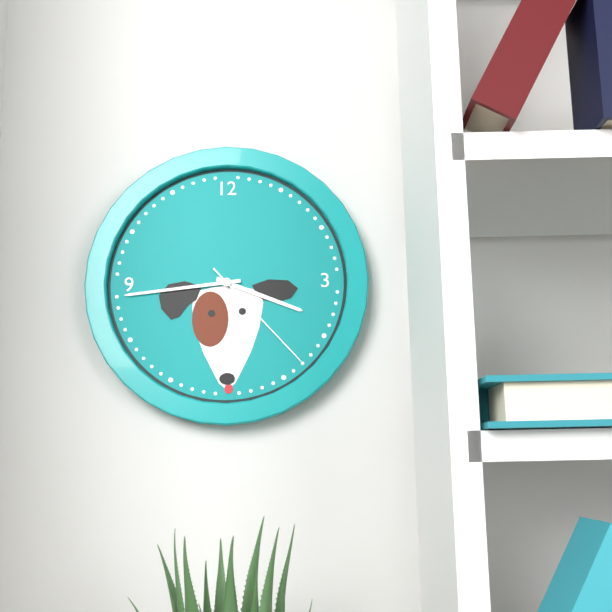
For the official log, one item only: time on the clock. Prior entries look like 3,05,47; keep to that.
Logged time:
3,44,23
